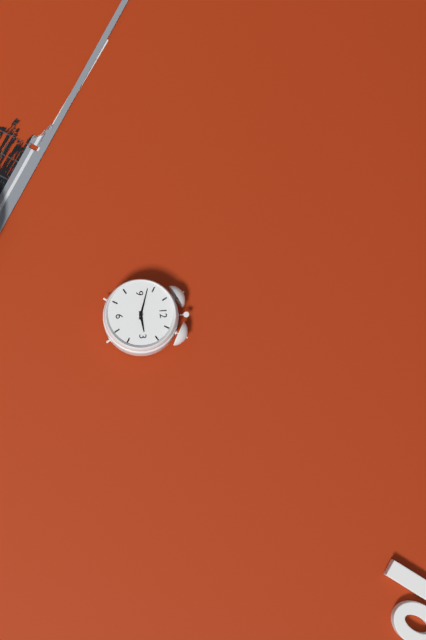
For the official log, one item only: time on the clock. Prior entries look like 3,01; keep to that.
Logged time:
2,48
